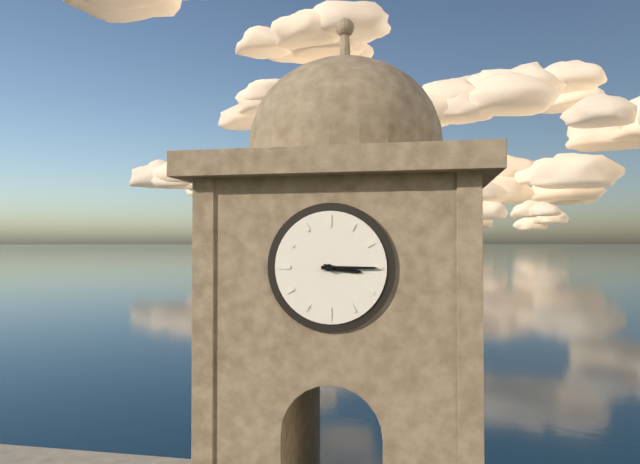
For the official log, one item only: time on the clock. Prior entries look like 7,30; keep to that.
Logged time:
3,15
